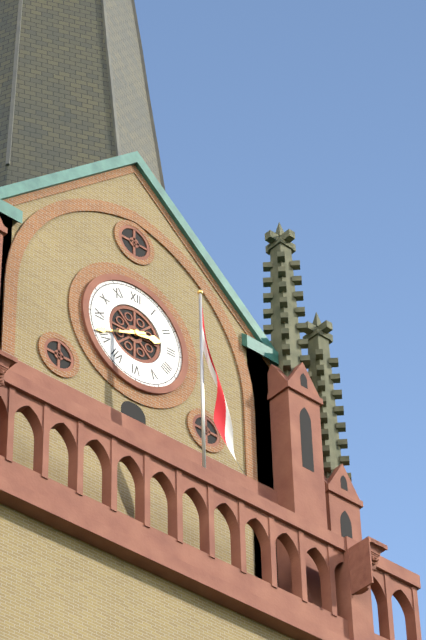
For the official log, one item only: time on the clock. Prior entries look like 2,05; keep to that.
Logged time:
2,41
